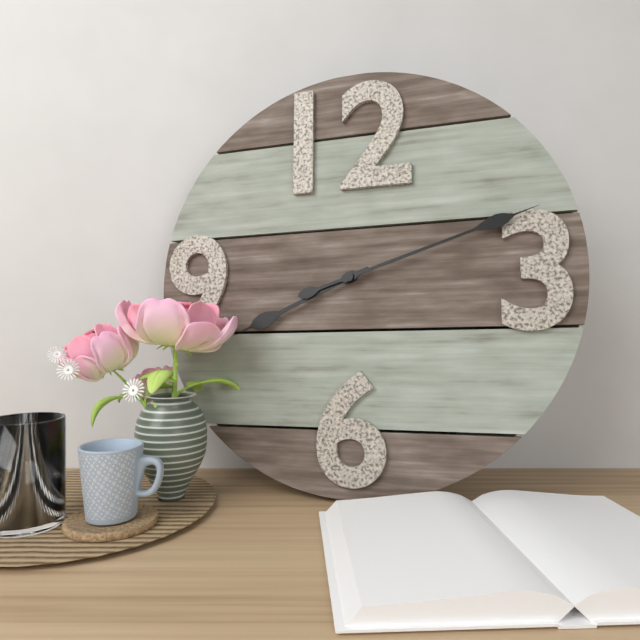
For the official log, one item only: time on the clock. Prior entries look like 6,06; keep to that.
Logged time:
8,12
